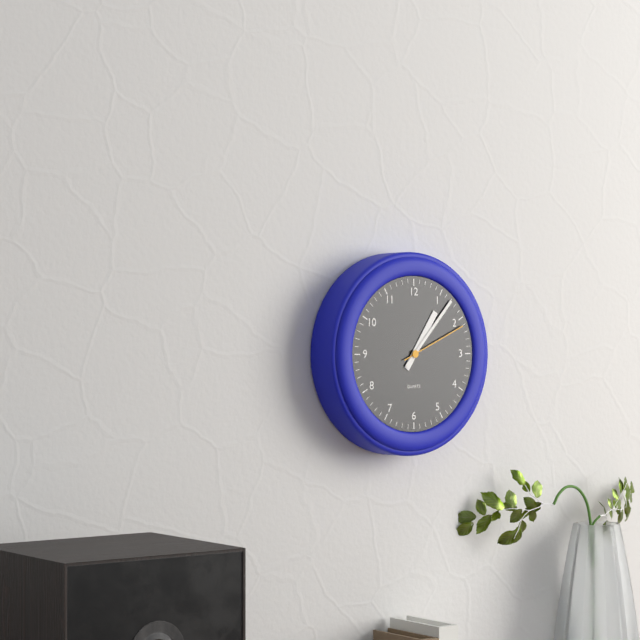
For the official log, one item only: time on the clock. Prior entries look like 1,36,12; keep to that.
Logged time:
1,07,11
